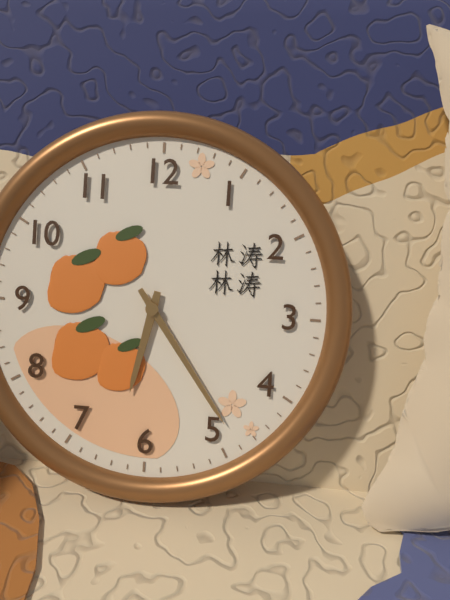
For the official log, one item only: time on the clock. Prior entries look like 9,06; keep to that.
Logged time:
6,24
